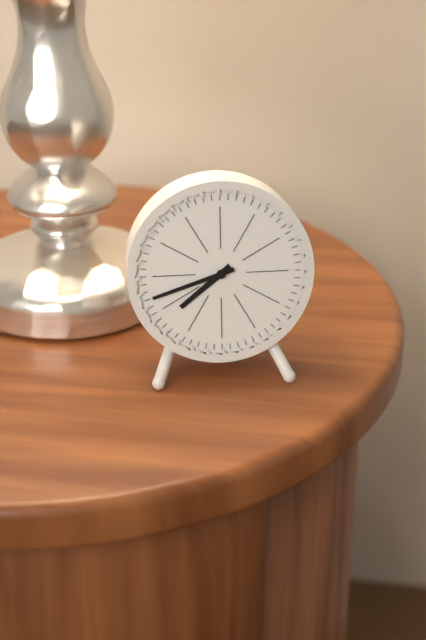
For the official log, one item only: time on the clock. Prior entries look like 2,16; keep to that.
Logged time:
7,42
